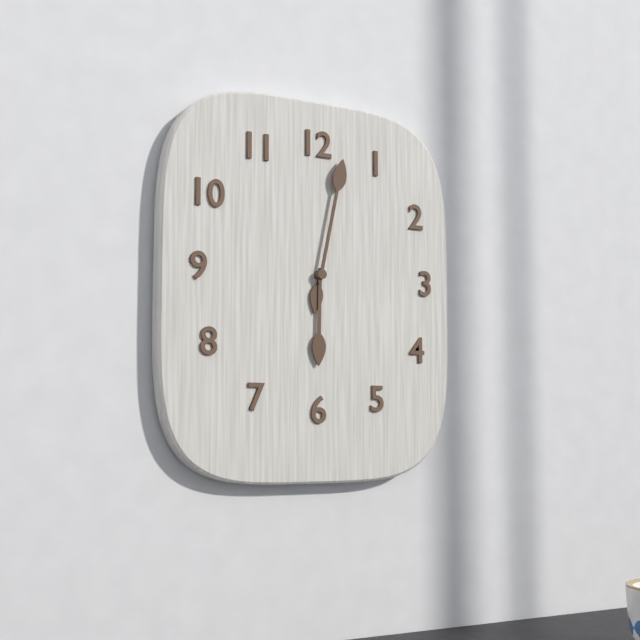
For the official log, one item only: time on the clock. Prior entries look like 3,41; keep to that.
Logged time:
6,02
